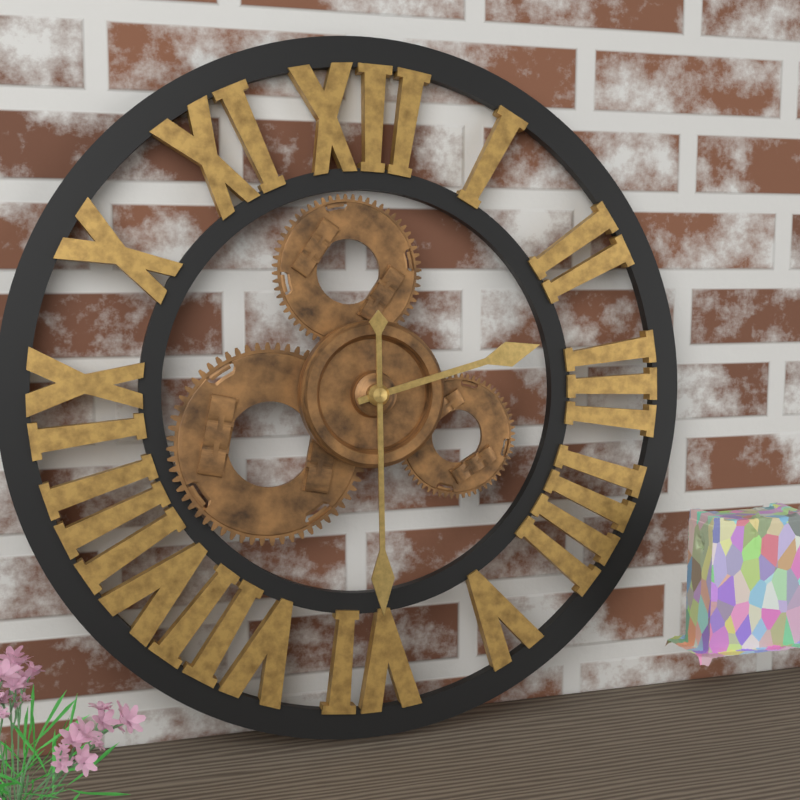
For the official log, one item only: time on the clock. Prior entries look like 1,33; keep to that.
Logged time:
2,30
